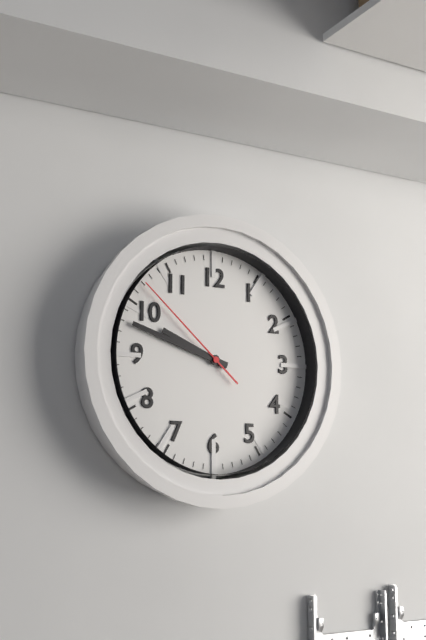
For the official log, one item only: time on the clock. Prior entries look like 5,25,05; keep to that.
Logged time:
9,48,52
